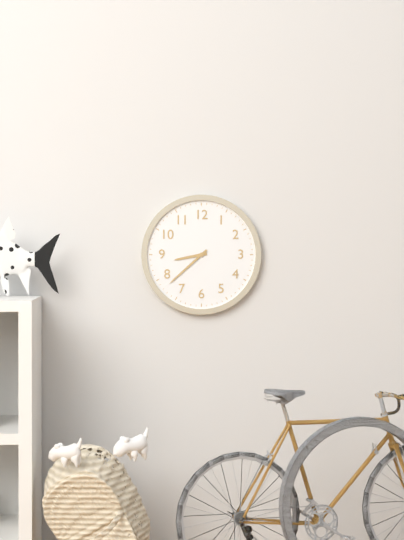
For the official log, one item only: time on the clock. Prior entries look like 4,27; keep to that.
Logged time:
8,38
